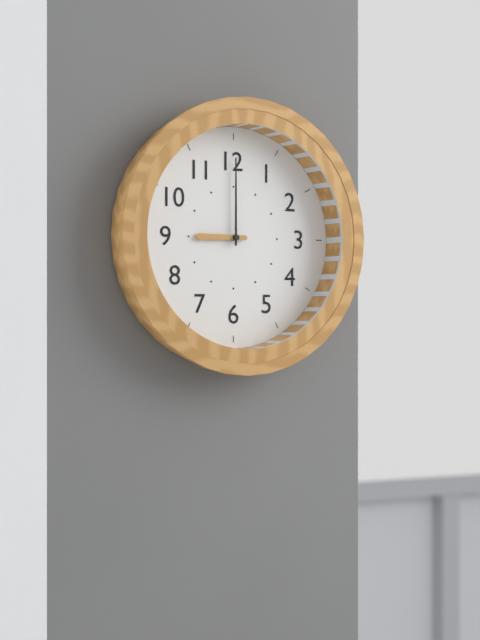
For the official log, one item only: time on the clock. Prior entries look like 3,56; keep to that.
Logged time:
9,00
